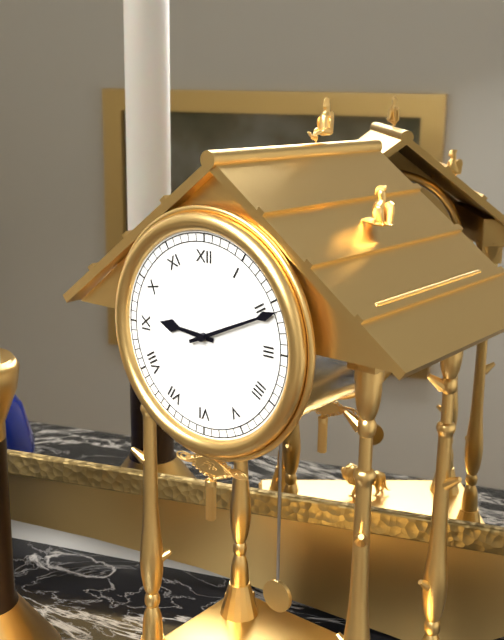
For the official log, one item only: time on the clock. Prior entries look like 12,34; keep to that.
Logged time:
9,11
